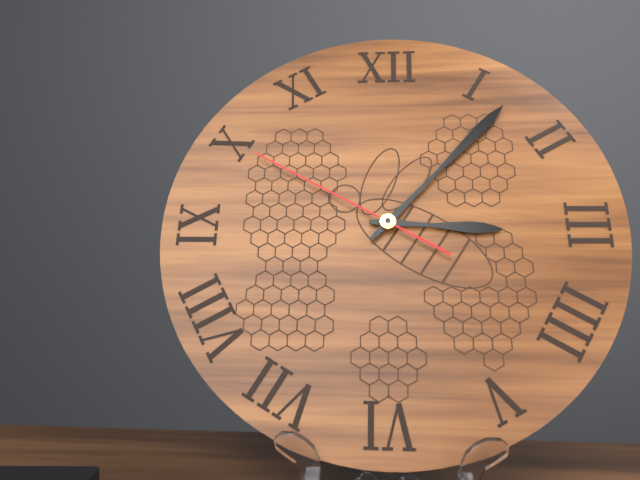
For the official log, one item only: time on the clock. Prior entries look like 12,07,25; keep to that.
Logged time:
3,07,50
